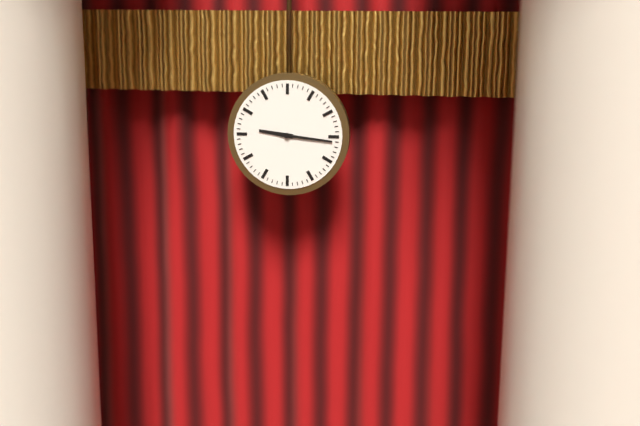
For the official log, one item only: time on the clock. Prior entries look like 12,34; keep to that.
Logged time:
9,16
